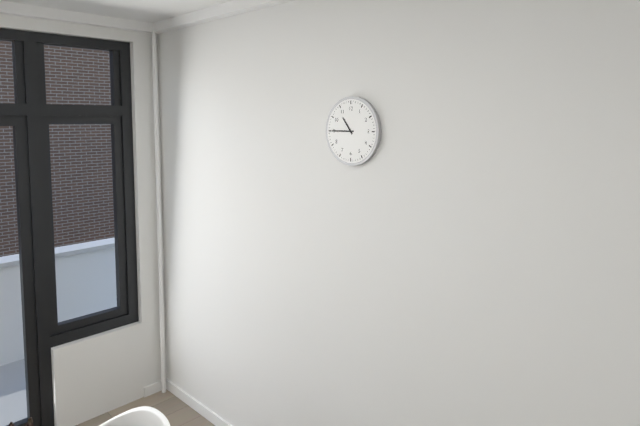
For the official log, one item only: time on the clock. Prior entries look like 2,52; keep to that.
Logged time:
10,45
